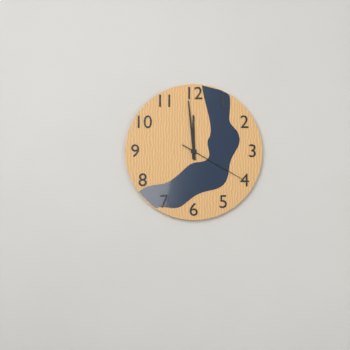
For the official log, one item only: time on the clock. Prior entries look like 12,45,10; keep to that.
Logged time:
11,59,20
